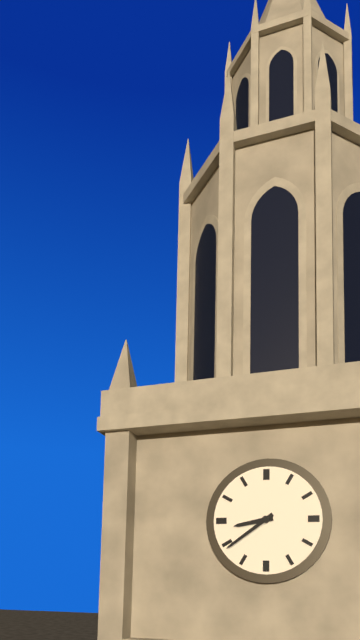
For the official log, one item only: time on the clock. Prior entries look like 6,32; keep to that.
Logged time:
8,39
